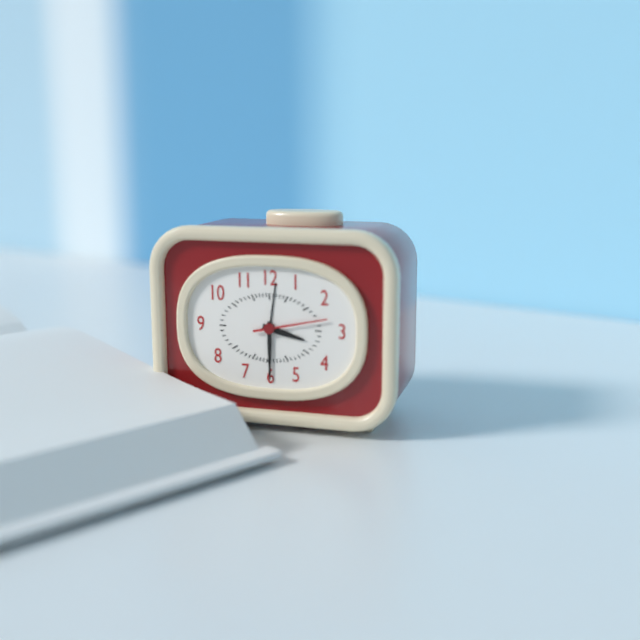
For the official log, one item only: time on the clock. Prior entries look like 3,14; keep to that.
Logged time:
3,30
